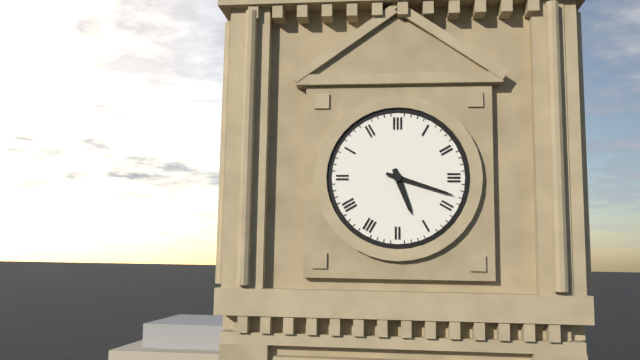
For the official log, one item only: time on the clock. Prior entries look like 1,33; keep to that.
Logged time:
5,18
